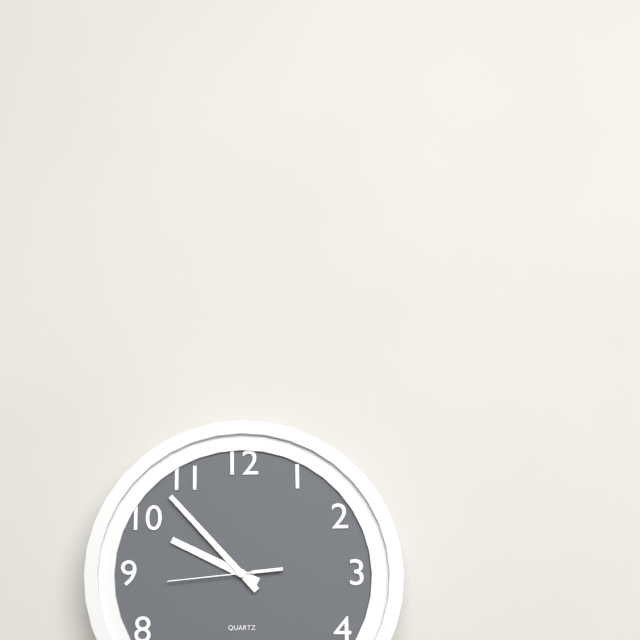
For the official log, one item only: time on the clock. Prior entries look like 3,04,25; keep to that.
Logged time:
9,53,44
